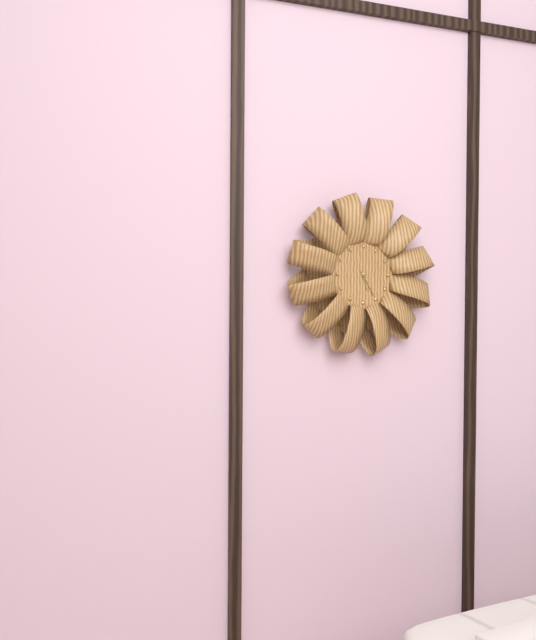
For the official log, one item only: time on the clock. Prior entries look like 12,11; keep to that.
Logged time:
5,25
